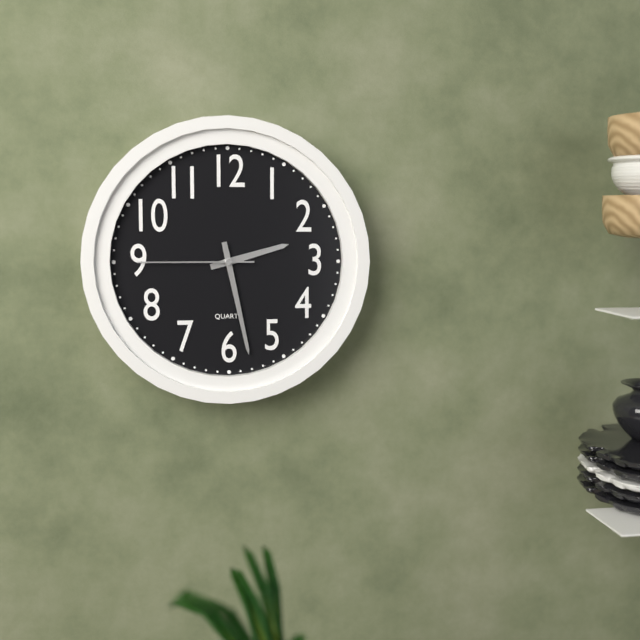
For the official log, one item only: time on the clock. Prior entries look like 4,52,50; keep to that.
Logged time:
2,28,45
